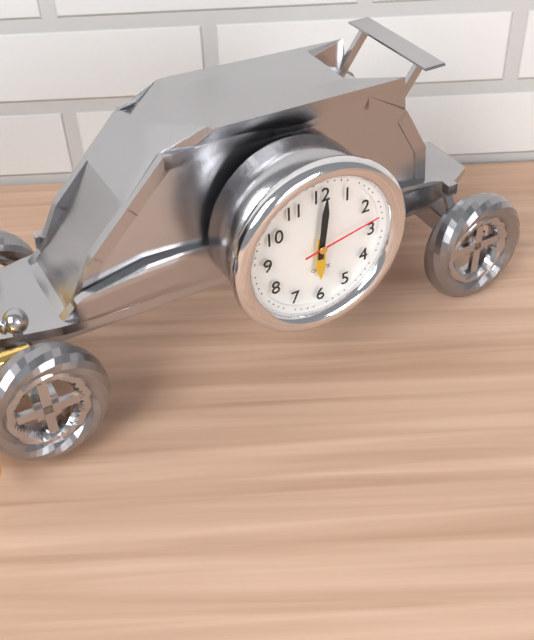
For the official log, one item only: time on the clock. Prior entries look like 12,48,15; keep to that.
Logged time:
6,01,13
